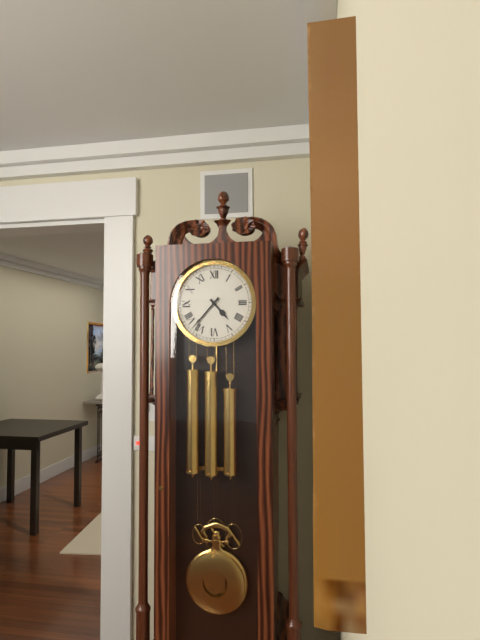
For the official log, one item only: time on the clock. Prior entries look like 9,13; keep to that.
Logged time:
4,37
